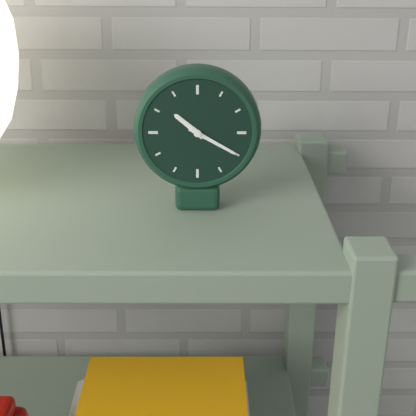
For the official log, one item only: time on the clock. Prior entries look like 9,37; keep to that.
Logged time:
10,20
